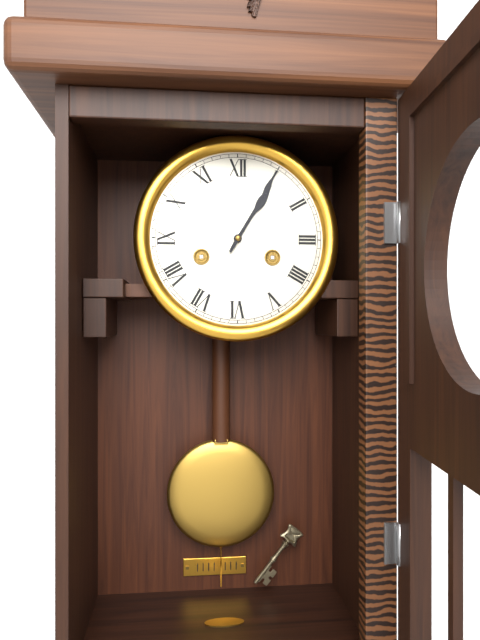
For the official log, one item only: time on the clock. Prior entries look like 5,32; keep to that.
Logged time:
1,05
